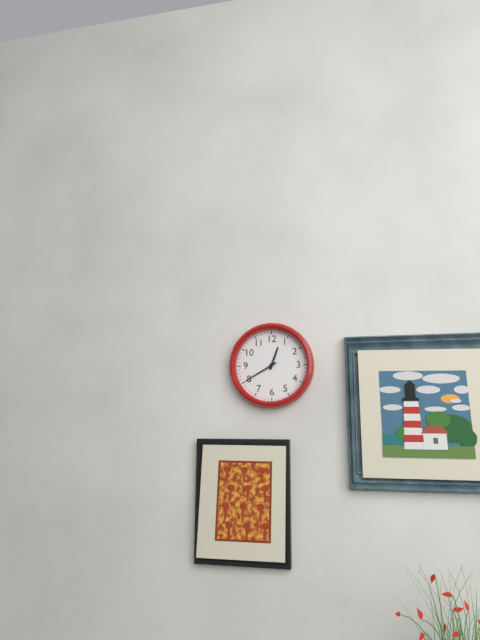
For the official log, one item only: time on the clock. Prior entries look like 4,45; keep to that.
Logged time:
12,40
